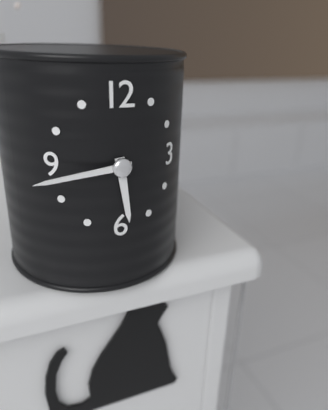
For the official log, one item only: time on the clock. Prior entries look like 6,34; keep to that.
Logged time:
5,44
